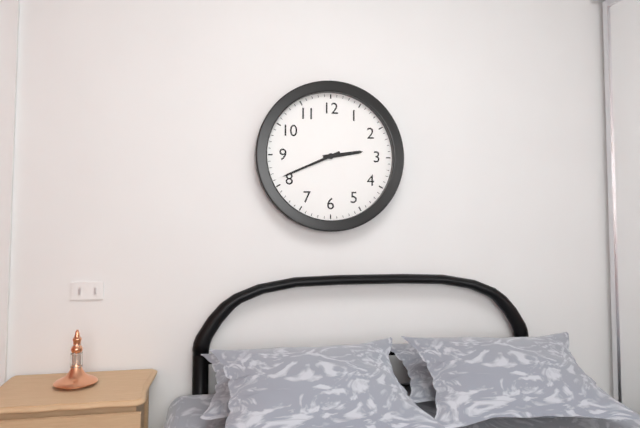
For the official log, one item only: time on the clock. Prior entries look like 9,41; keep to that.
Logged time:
2,41
